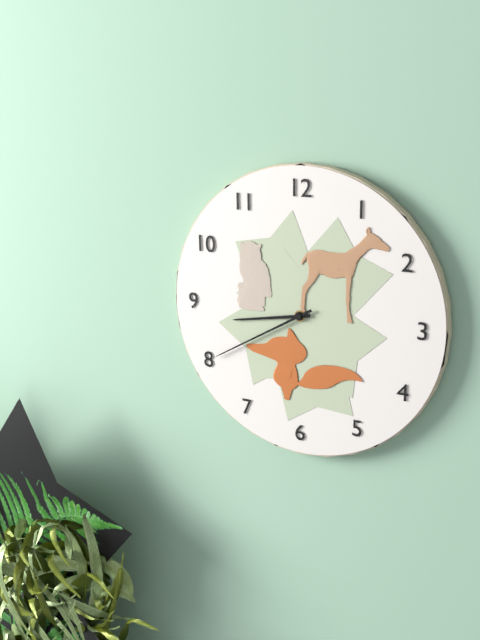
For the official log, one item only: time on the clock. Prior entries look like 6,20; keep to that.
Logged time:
8,40
